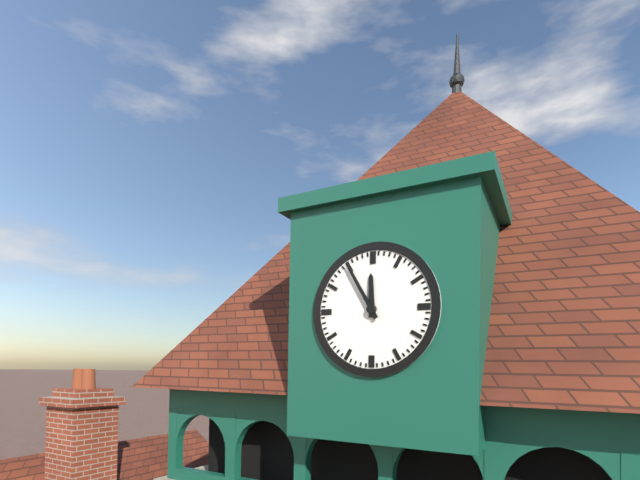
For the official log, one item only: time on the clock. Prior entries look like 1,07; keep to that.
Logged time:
11,55
